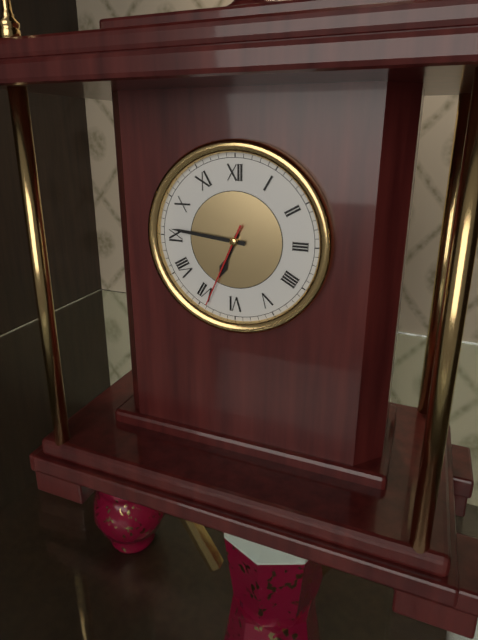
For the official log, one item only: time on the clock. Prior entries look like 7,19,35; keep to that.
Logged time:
6,46,34
